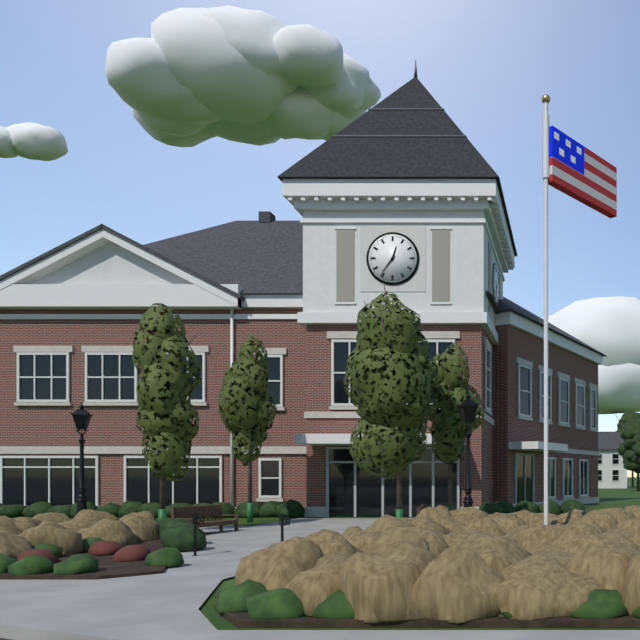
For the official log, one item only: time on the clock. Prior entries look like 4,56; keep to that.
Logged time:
12,36
